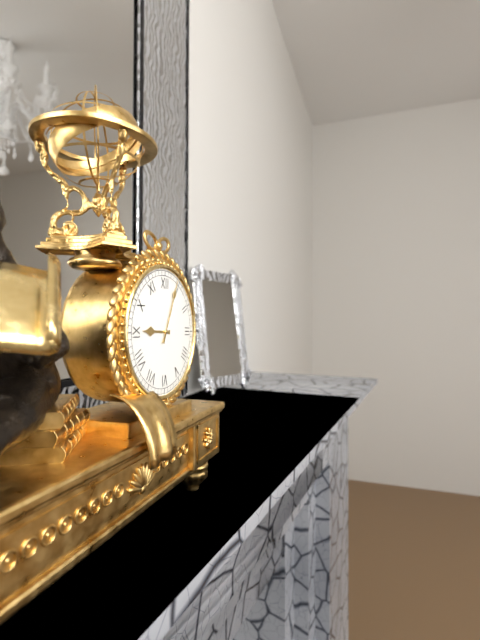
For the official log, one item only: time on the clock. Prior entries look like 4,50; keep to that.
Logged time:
9,04
